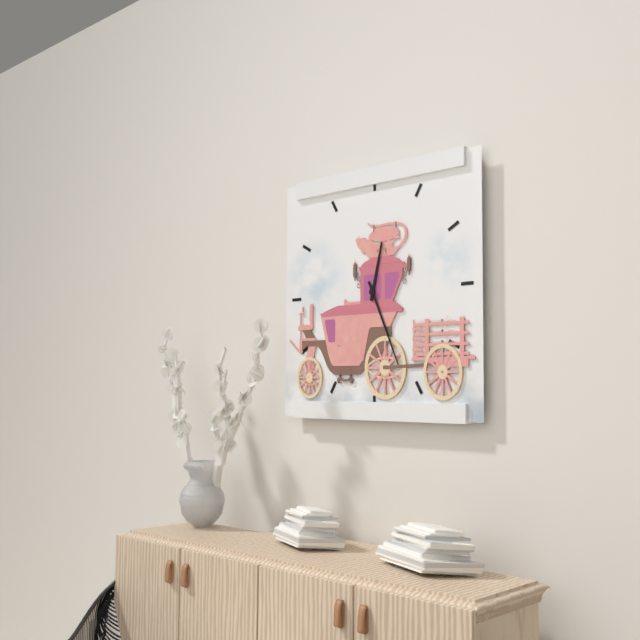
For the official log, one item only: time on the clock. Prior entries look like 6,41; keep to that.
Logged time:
12,26
